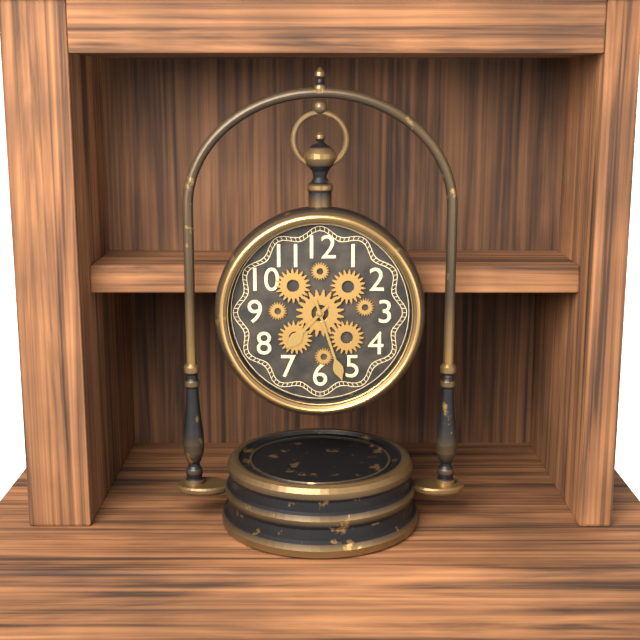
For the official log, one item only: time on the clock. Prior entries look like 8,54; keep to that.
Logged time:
7,27
